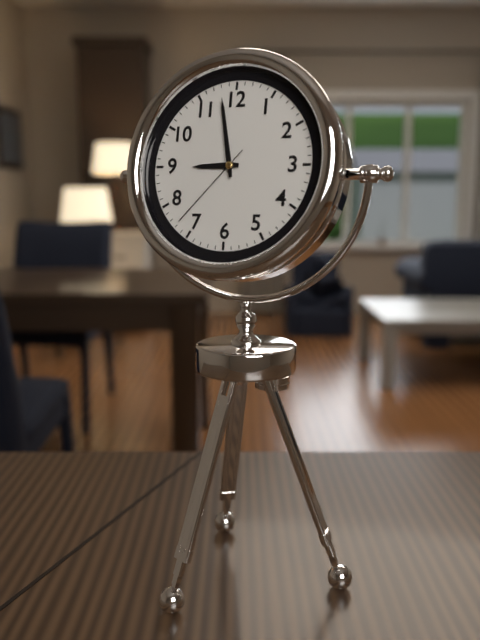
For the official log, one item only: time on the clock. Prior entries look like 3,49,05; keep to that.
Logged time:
8,58,37
